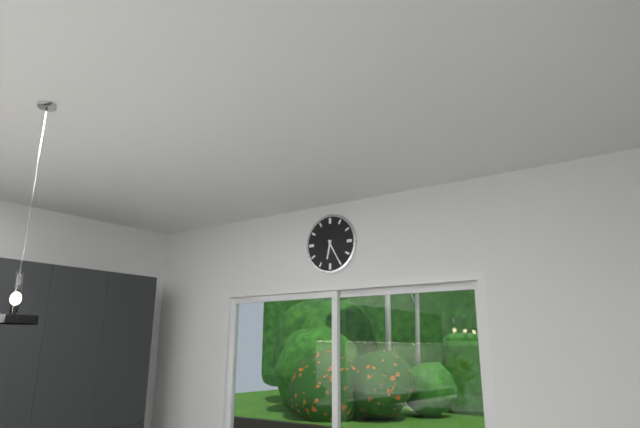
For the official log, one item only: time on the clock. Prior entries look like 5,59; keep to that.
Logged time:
6,25
